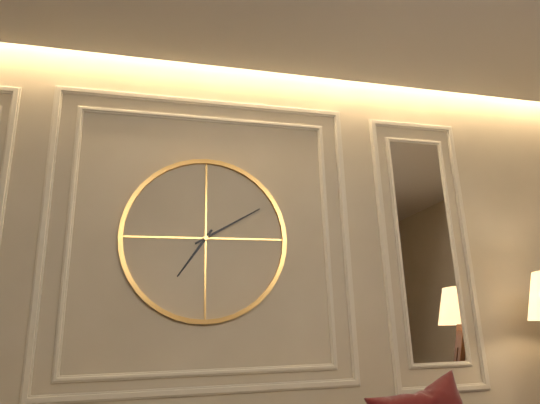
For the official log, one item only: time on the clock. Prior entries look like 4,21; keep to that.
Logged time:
7,10
